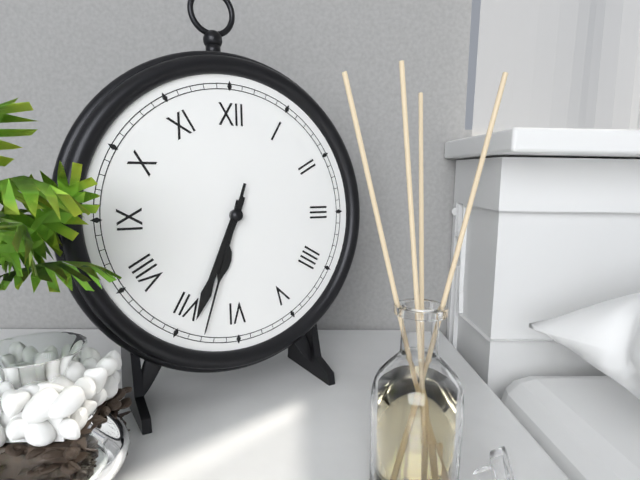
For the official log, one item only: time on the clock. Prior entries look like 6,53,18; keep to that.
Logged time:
6,34,33
